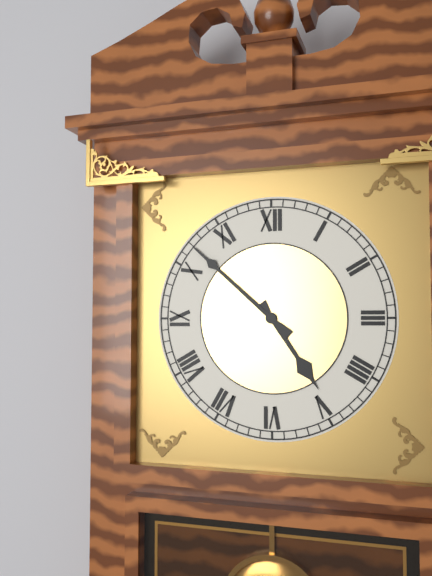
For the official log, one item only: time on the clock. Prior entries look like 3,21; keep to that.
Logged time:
4,52
